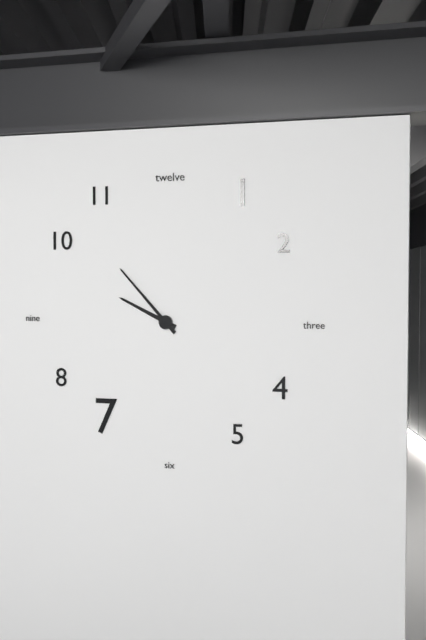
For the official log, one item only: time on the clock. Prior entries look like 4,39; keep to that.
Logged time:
9,53
